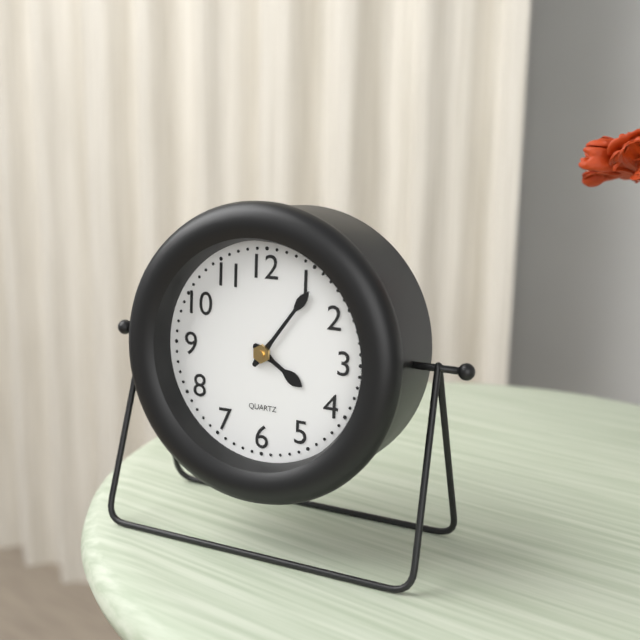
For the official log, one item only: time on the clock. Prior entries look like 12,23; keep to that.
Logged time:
4,06
